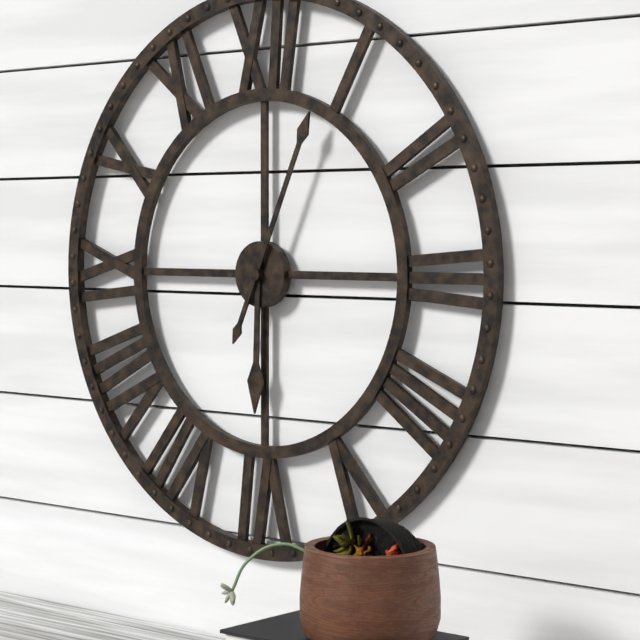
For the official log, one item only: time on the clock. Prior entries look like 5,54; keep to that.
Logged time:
6,04
